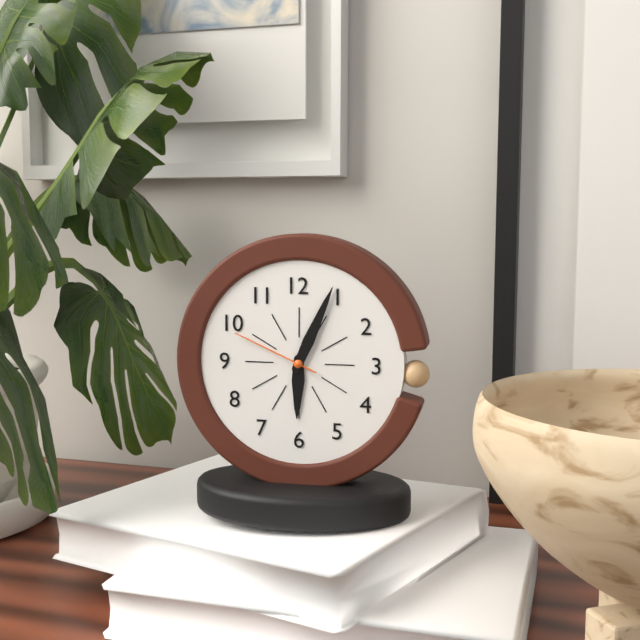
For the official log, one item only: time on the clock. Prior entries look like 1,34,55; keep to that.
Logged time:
6,04,49
